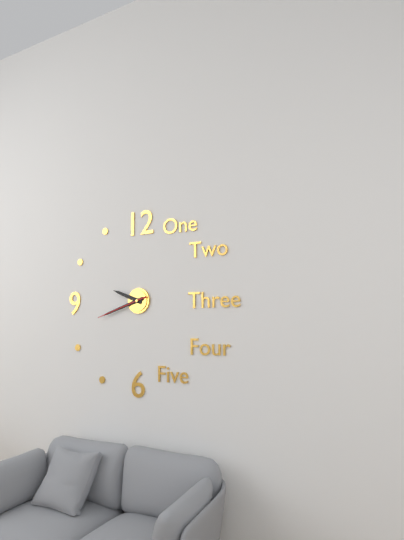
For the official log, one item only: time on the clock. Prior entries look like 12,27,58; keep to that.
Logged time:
9,42,42
